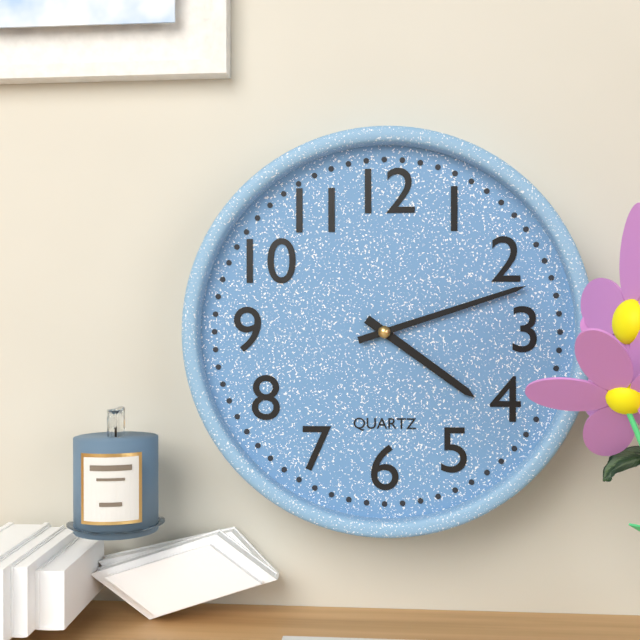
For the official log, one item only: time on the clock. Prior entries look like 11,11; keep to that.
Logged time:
4,12
